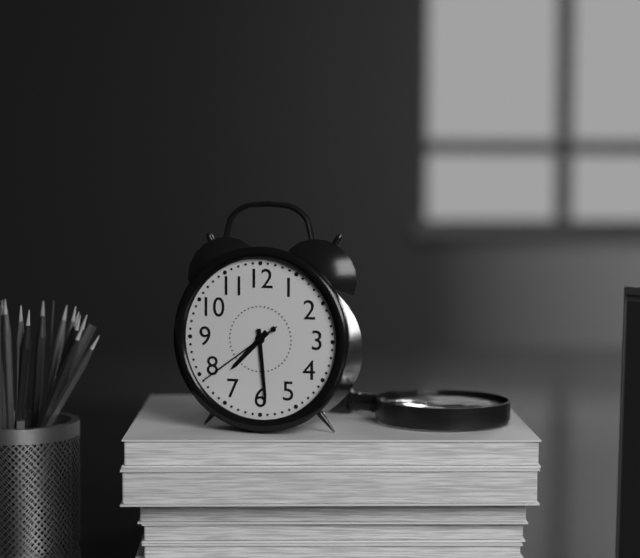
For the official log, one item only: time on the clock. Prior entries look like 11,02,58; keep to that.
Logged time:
7,29,39
